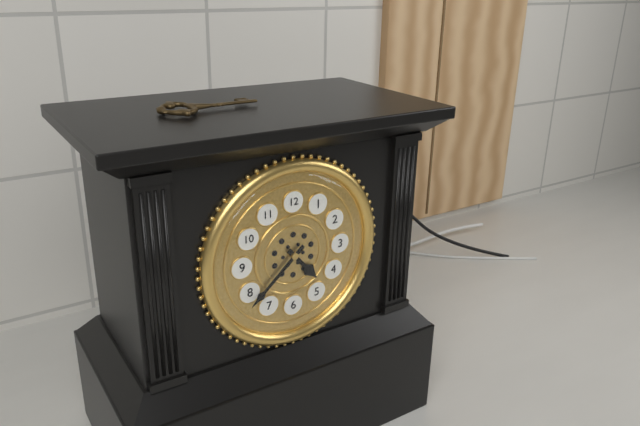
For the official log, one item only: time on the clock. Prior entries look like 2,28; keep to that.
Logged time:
4,38
